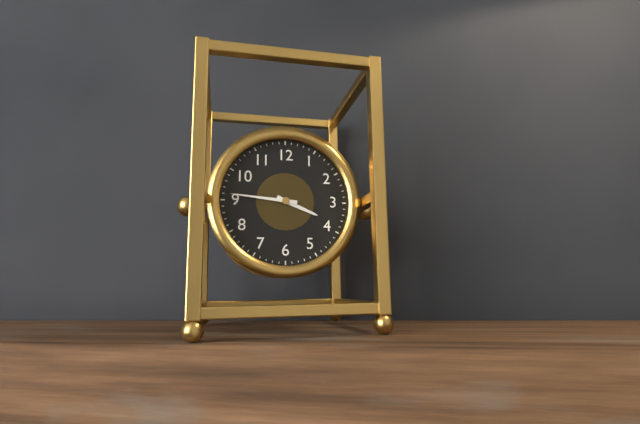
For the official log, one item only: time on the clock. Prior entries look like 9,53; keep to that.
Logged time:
3,46
